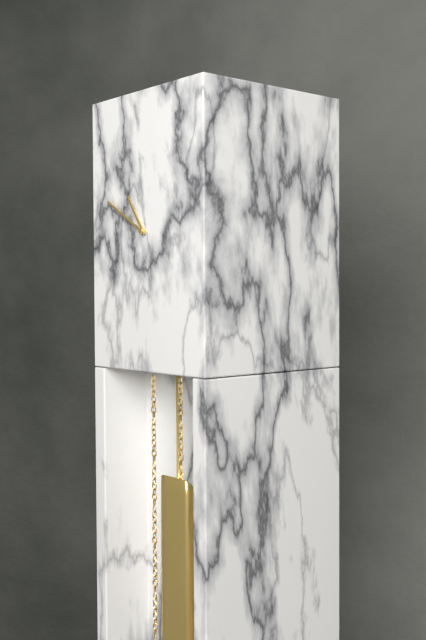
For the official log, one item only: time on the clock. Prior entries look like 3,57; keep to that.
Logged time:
10,50
